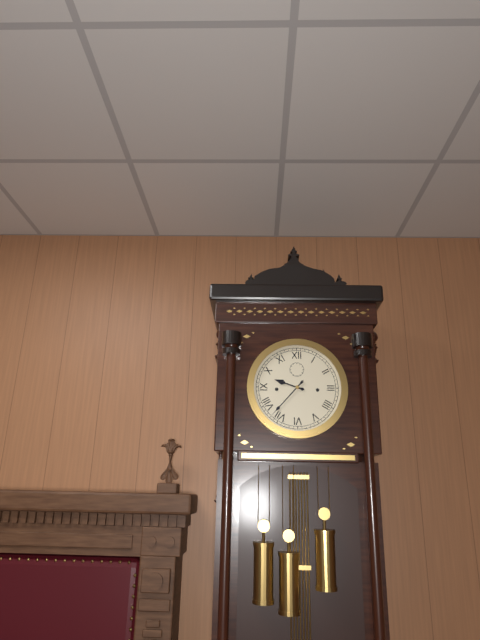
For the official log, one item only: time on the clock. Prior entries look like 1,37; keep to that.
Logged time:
9,37
